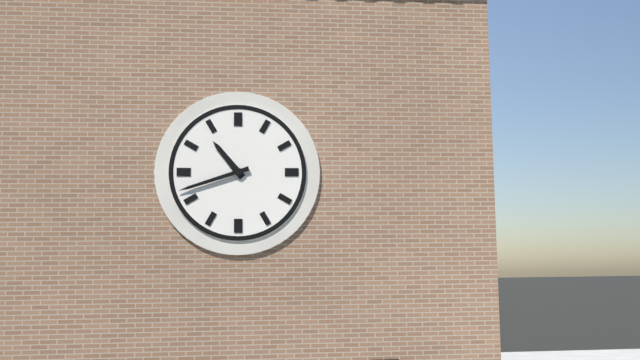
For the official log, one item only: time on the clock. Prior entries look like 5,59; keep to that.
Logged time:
10,42
